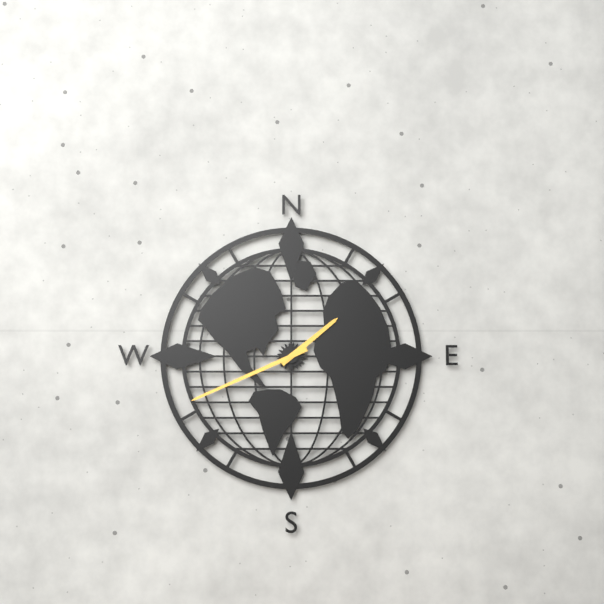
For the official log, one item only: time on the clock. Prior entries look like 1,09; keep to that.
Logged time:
1,41
